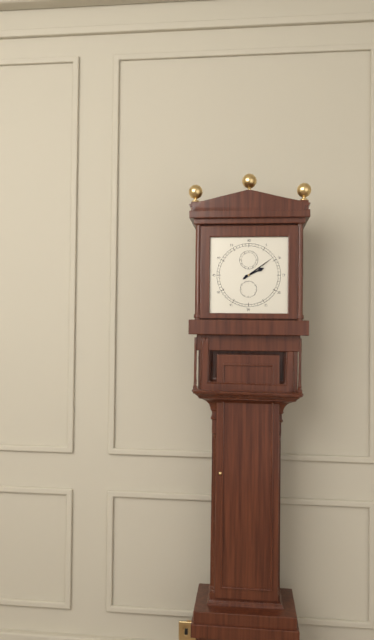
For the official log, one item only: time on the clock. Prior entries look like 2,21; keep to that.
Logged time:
2,09
